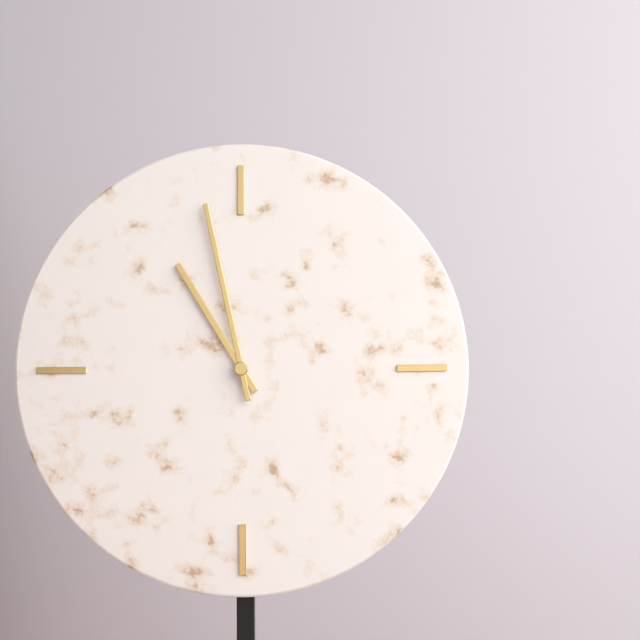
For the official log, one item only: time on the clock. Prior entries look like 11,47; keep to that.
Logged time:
10,58
